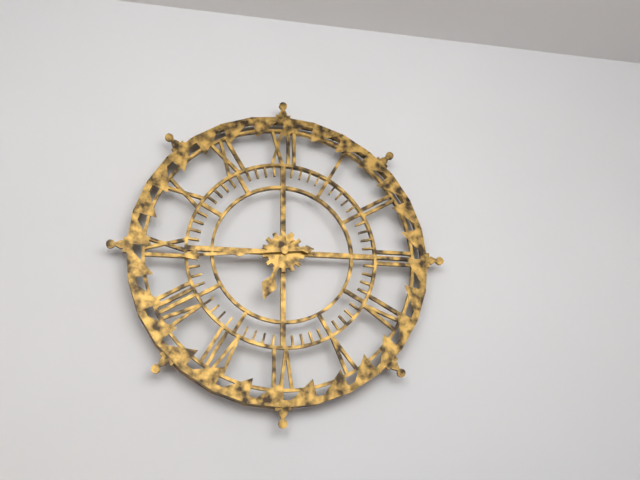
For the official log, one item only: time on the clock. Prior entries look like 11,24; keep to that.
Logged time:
6,44
